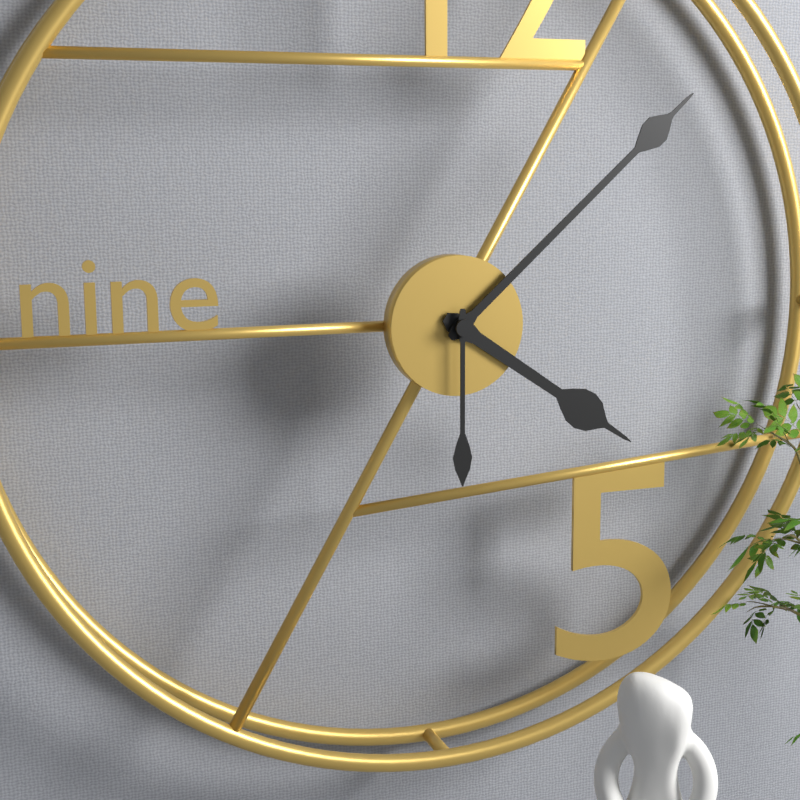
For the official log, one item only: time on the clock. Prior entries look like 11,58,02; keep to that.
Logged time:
4,08,30
